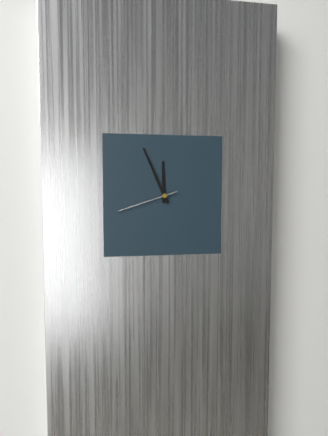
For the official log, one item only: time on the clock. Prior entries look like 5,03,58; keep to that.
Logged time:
11,56,42
